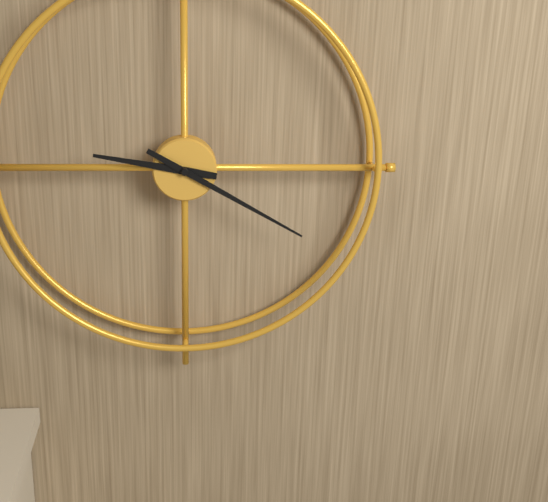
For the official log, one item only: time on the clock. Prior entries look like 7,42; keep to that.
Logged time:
9,20
